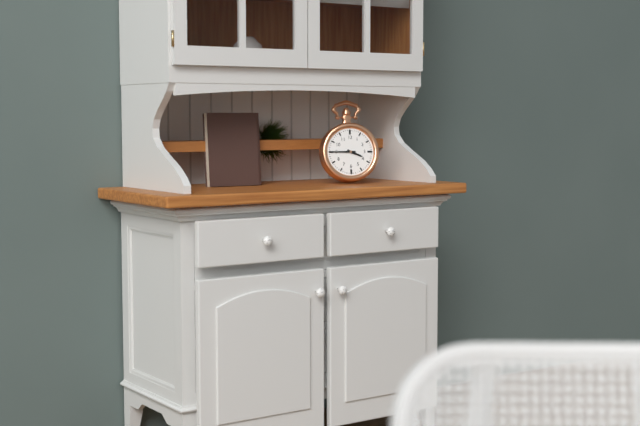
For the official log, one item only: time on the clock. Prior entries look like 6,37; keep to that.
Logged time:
3,45
